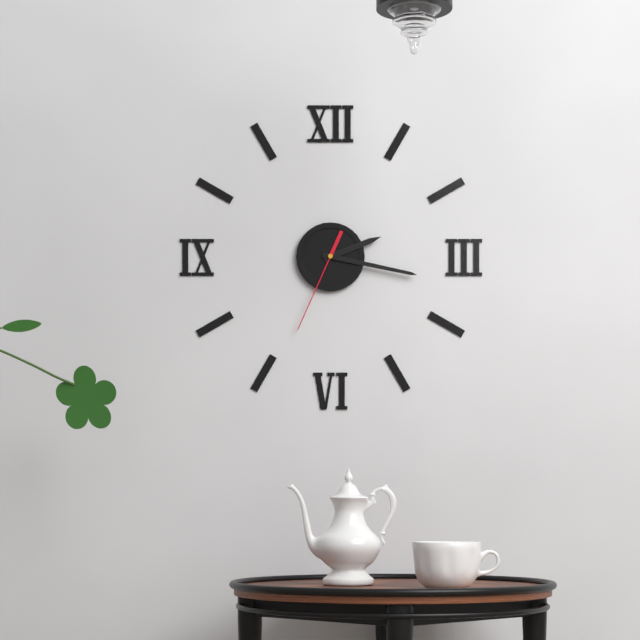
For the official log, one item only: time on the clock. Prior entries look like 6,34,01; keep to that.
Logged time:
2,17,34
